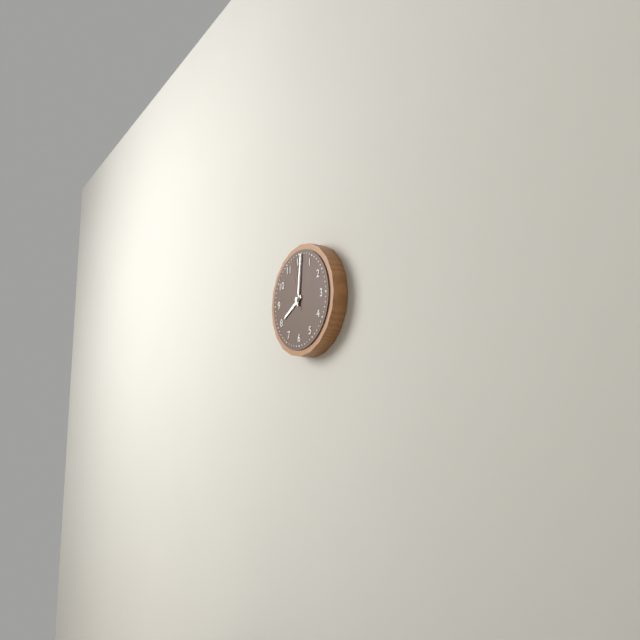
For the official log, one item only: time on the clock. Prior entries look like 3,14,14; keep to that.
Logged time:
8,01,58
